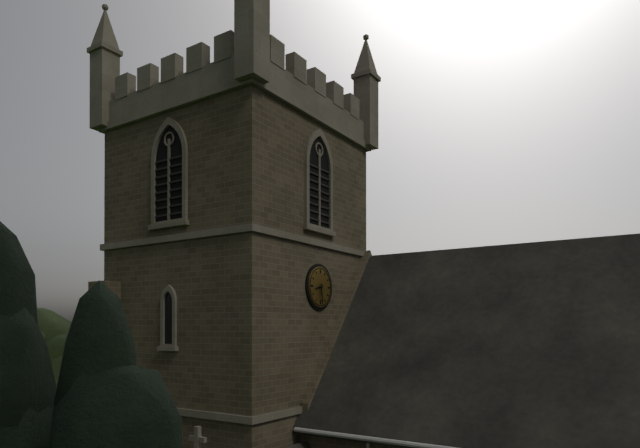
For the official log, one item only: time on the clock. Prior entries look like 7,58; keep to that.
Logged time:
8,29
